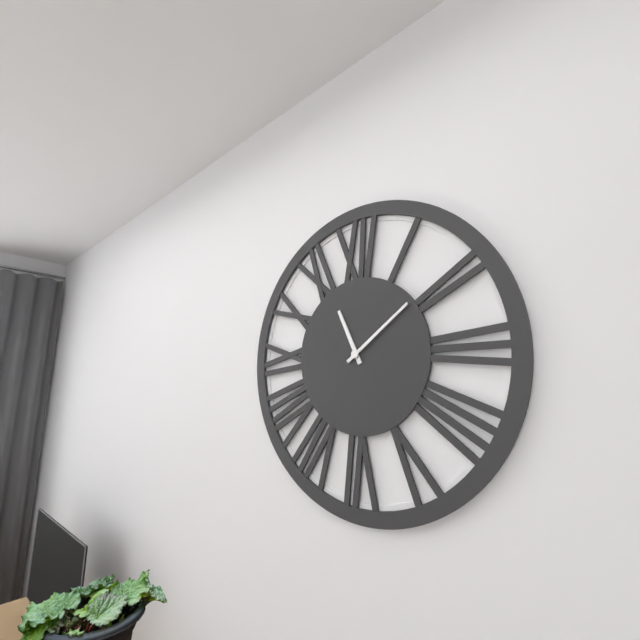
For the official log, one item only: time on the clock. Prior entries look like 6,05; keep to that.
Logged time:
11,09
